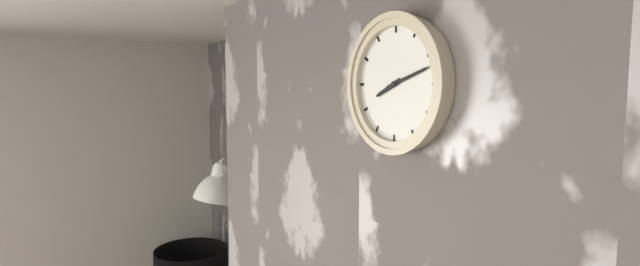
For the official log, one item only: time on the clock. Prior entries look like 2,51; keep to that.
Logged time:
8,12
